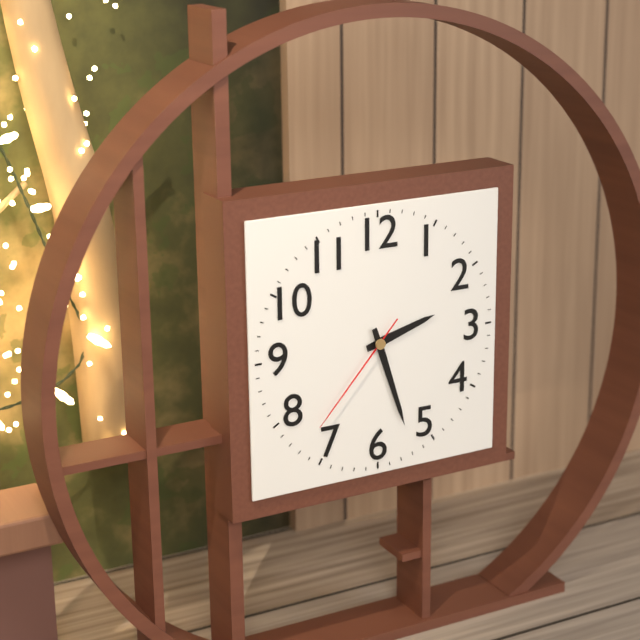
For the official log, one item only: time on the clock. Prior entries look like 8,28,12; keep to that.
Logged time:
2,27,37
